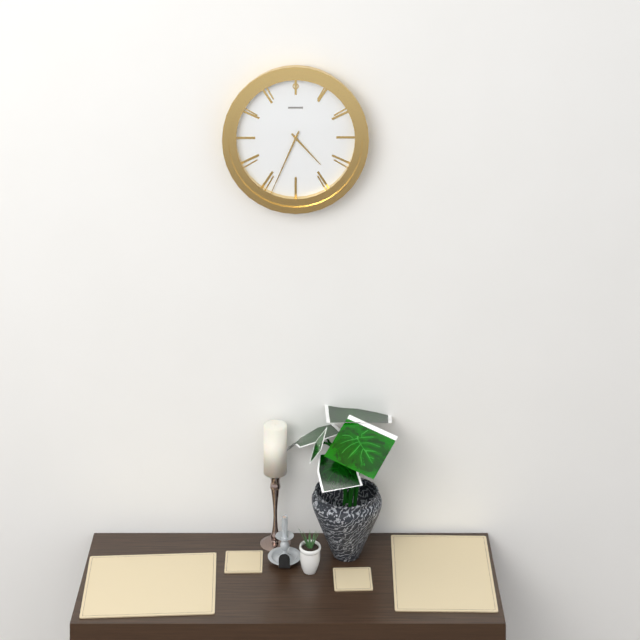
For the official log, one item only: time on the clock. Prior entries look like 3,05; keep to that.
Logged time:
4,34
